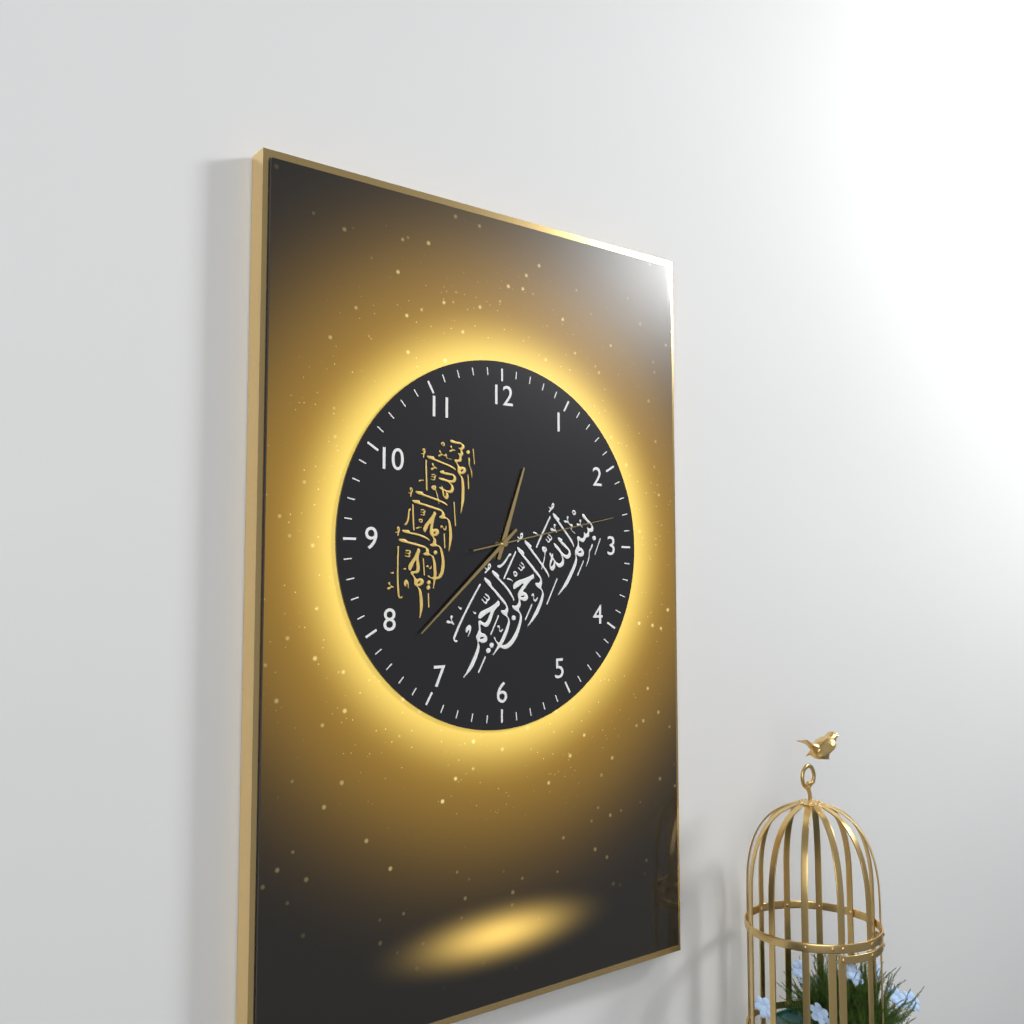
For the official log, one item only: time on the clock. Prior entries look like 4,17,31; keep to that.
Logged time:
12,38,13
